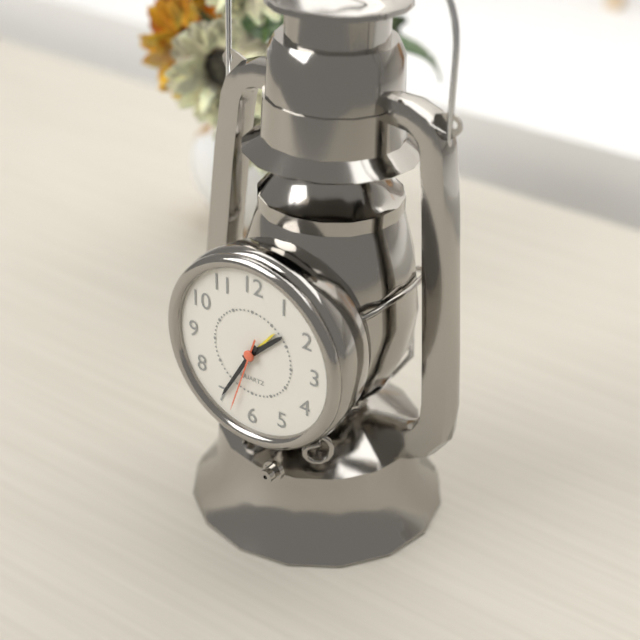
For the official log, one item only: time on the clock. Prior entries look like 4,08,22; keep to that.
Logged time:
1,35,33
